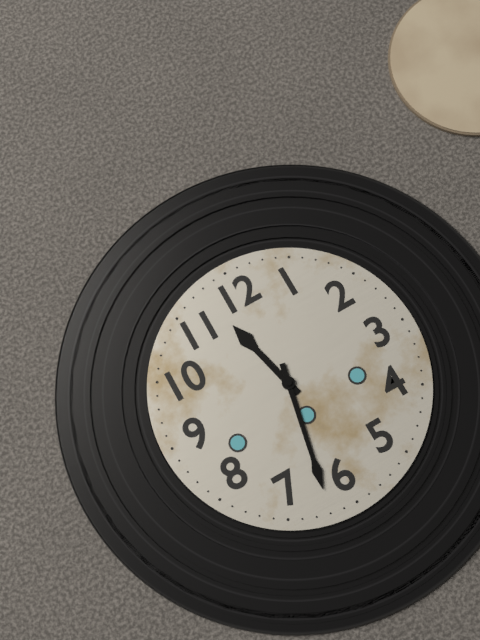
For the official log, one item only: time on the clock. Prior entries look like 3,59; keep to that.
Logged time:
11,32
